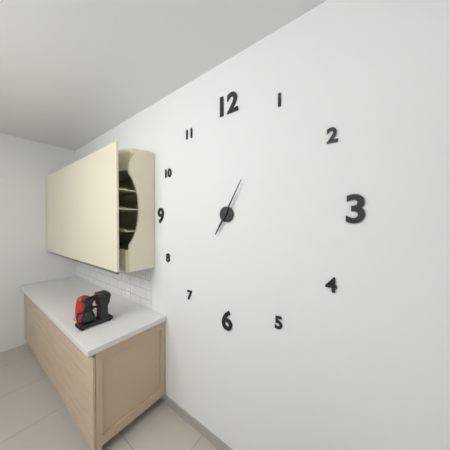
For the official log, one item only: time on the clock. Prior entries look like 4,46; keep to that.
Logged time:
7,05
